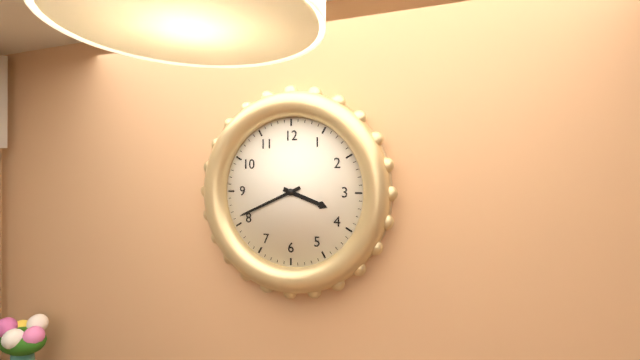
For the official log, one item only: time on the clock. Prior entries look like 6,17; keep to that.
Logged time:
3,41
